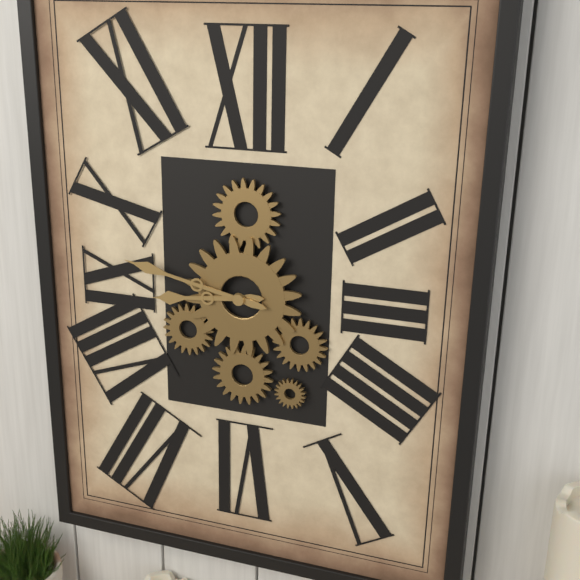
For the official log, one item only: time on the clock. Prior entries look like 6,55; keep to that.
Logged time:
8,47
